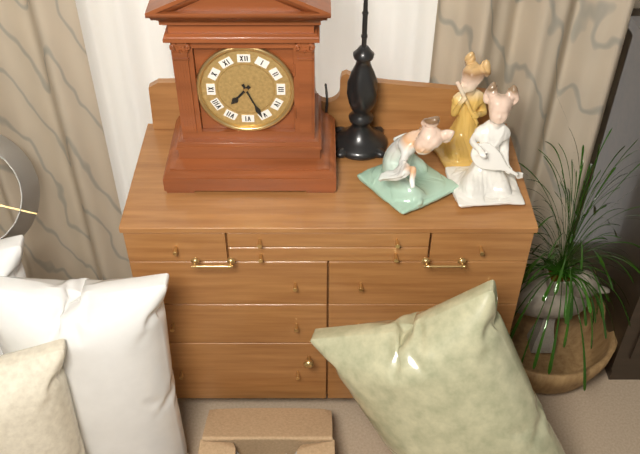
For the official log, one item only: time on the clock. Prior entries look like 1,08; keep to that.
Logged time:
7,26
